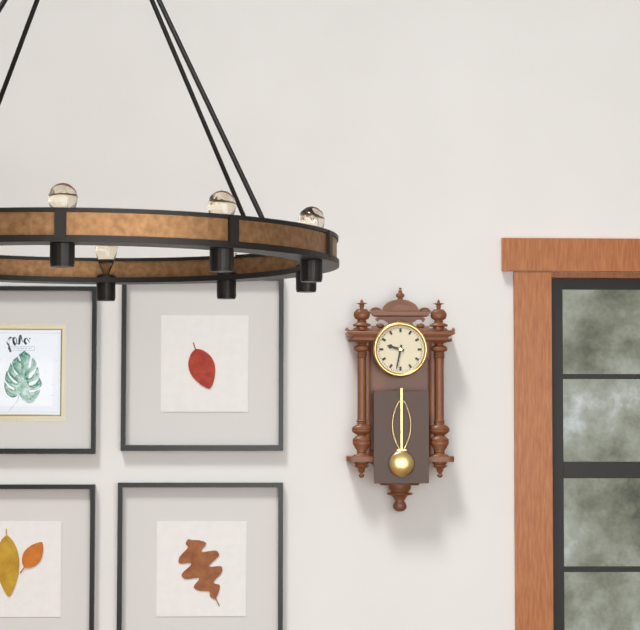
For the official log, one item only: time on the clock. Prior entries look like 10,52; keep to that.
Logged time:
9,32
